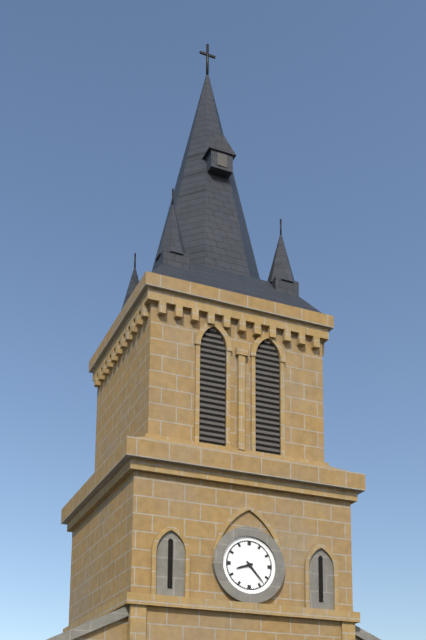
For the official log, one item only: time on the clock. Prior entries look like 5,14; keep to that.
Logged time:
8,23
